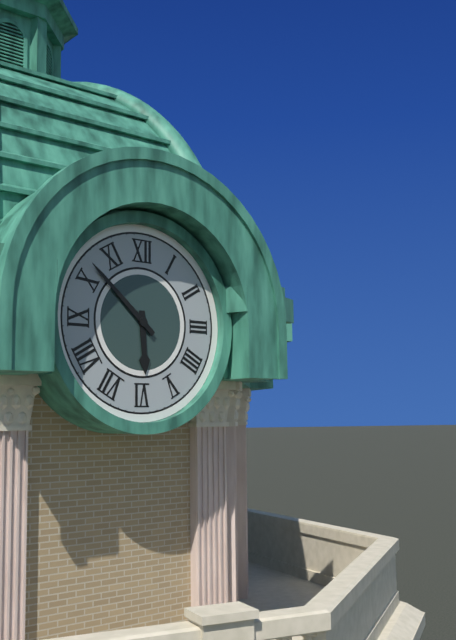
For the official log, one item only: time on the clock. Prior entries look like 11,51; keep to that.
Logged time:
5,52
